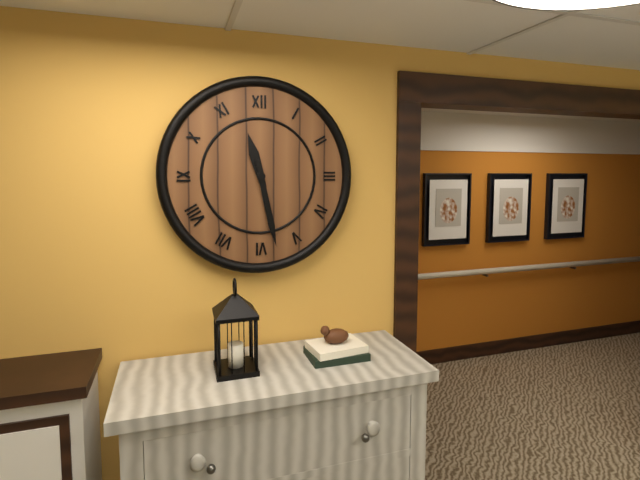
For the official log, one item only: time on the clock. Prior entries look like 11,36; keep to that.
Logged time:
11,28
